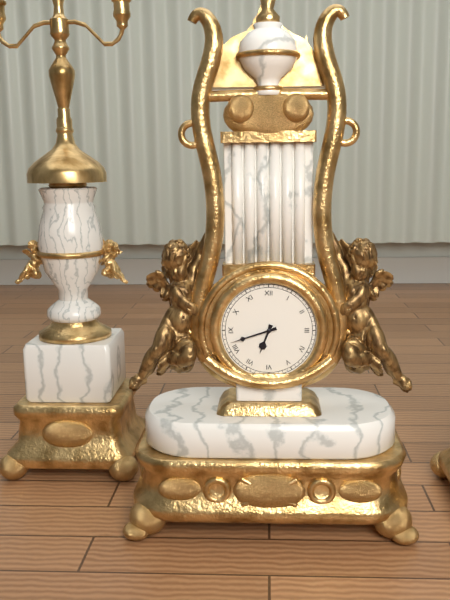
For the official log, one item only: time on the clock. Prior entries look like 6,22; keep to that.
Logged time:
6,42
